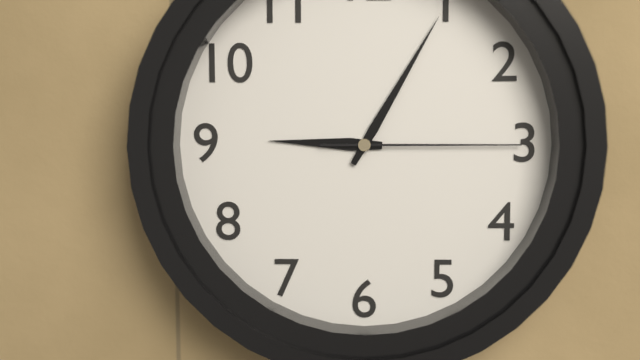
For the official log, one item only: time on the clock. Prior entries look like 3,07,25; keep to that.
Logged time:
9,05,15
